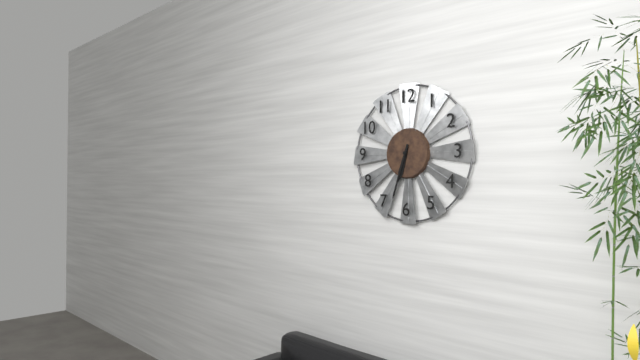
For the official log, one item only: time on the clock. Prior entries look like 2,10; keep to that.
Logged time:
6,33
